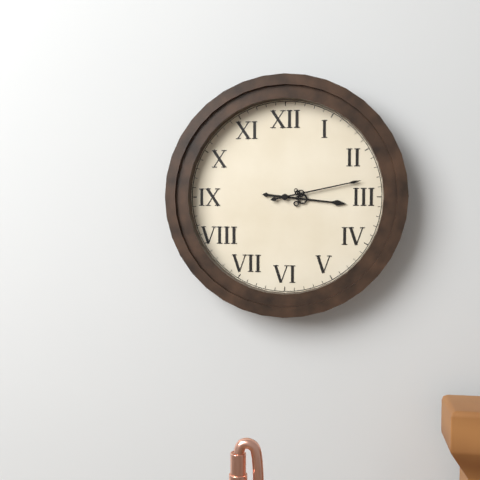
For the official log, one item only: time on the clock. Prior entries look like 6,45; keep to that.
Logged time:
3,13
